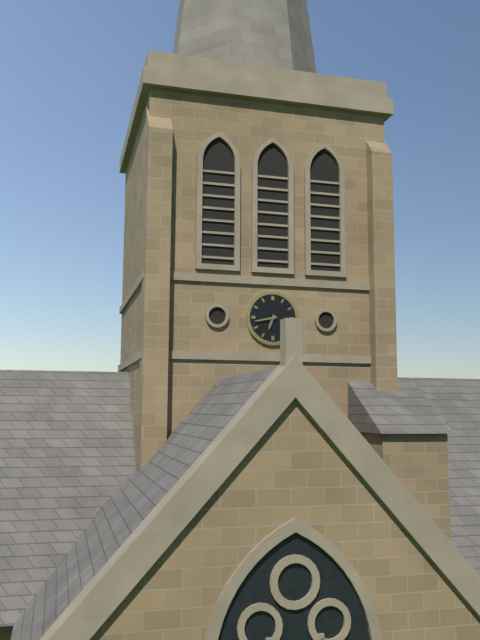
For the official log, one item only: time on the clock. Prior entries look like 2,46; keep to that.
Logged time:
6,43
